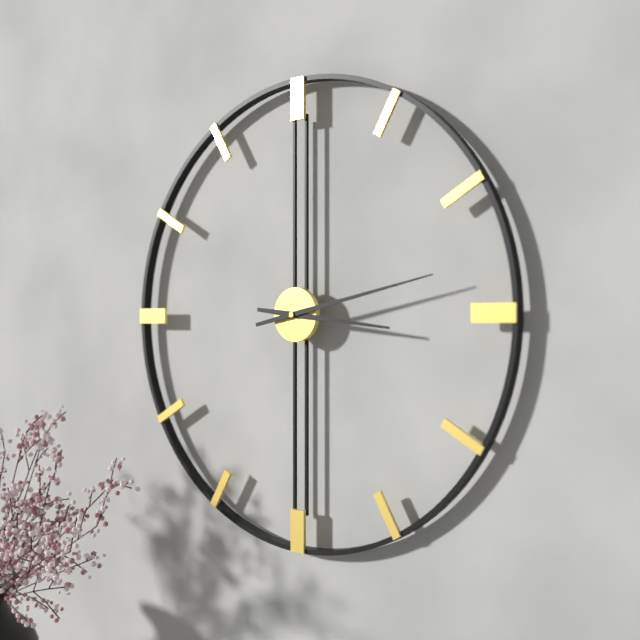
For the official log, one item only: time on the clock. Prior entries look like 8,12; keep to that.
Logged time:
3,13
